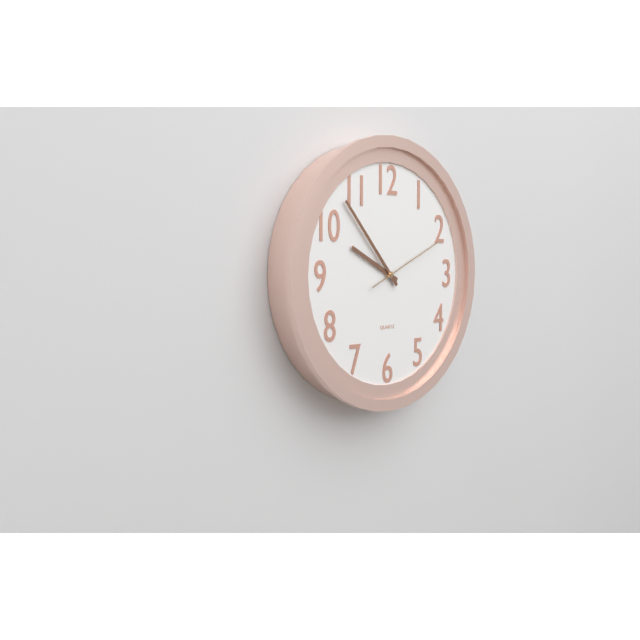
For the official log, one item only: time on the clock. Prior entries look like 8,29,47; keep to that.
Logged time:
9,53,11
